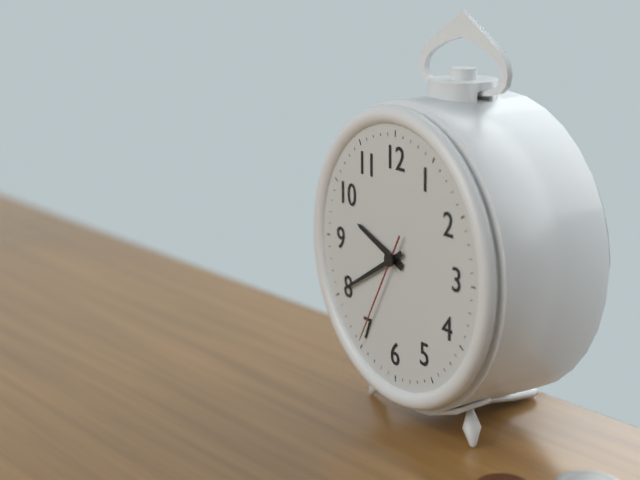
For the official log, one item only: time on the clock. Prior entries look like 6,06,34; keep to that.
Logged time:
9,40,35
